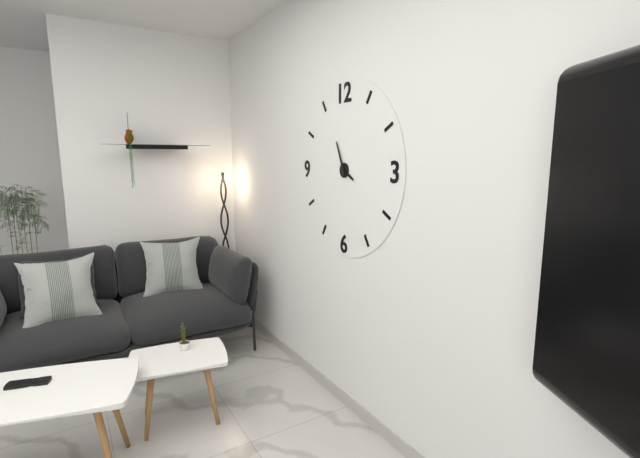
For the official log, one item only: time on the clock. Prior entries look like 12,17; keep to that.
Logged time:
3,56
